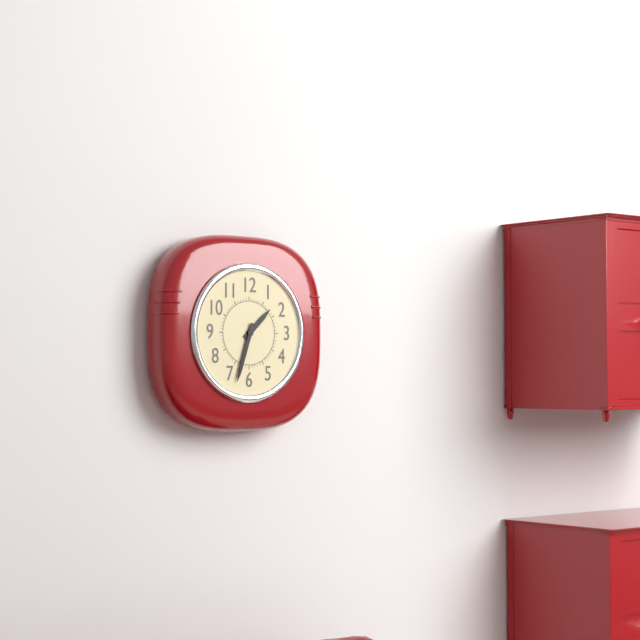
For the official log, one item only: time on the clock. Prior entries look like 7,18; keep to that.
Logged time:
1,33
